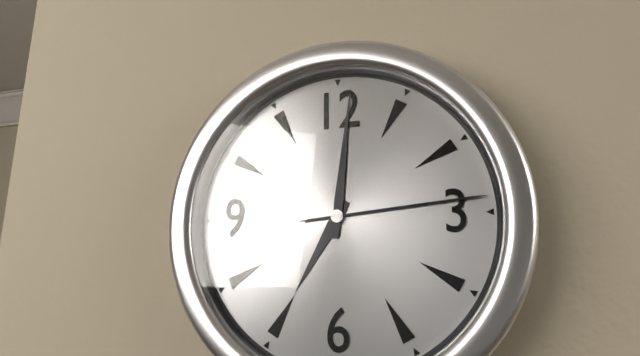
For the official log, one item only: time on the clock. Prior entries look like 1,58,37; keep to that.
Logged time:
7,01,14
